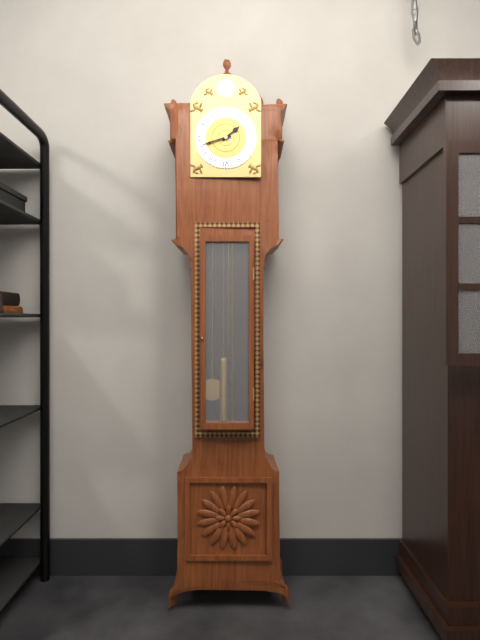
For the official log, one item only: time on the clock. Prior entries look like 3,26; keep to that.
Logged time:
1,42
